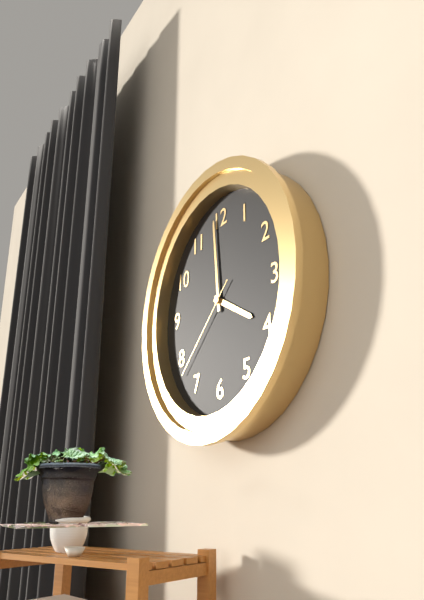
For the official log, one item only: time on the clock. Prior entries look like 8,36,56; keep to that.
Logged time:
3,59,38
